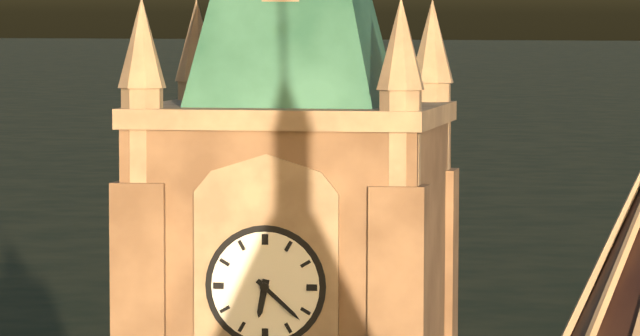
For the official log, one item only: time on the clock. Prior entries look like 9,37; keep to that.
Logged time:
6,22
